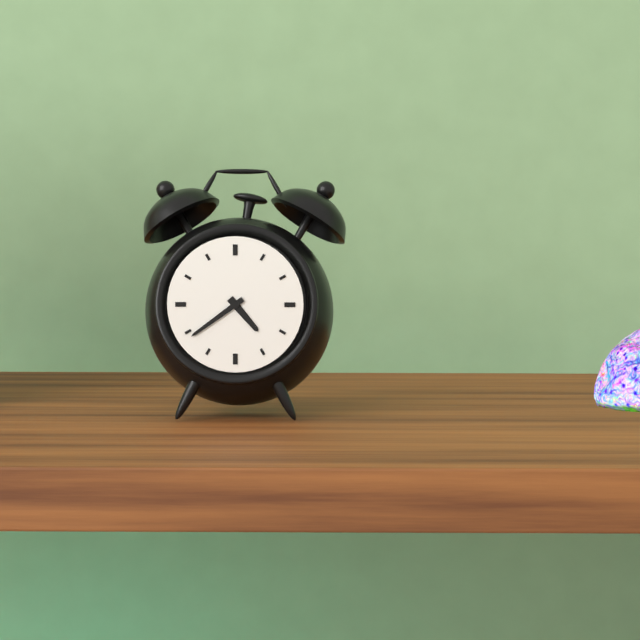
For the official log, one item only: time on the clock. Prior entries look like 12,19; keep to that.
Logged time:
4,39
